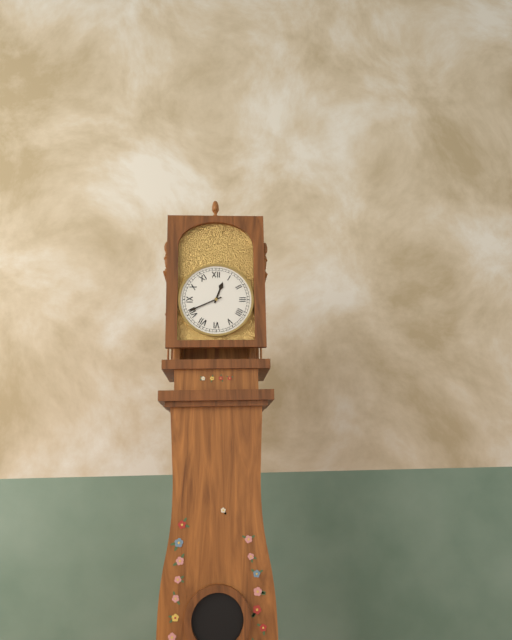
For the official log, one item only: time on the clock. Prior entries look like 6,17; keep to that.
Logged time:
12,41
